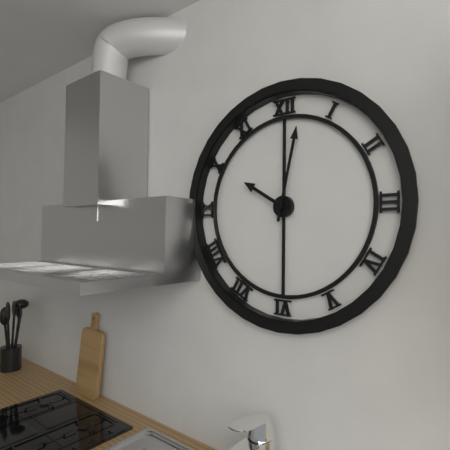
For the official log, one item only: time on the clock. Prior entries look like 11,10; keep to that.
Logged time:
10,02
